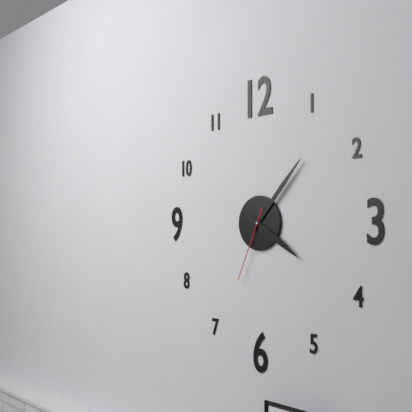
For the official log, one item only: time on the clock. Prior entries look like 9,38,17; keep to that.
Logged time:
4,07,34
